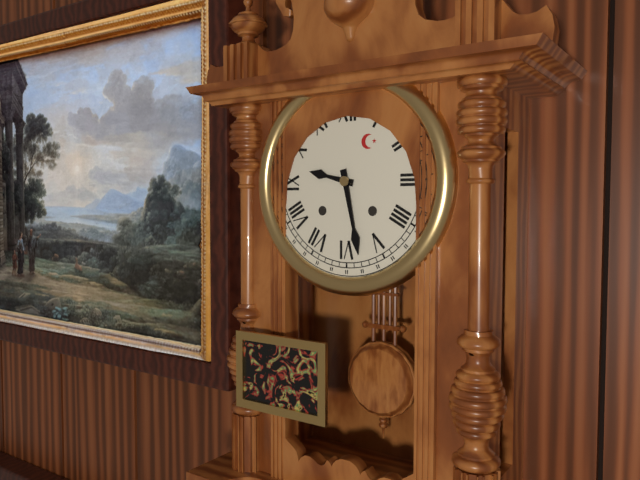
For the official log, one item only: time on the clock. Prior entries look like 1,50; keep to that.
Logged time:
9,28
